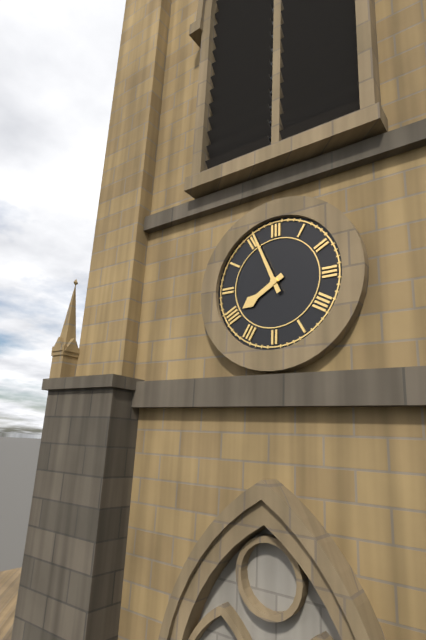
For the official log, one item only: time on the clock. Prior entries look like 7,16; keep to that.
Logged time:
7,56
